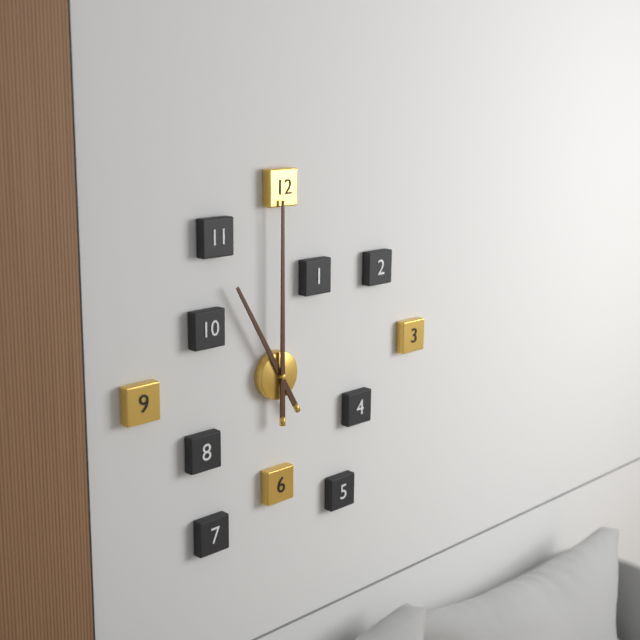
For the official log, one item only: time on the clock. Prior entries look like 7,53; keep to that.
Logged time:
11,00
